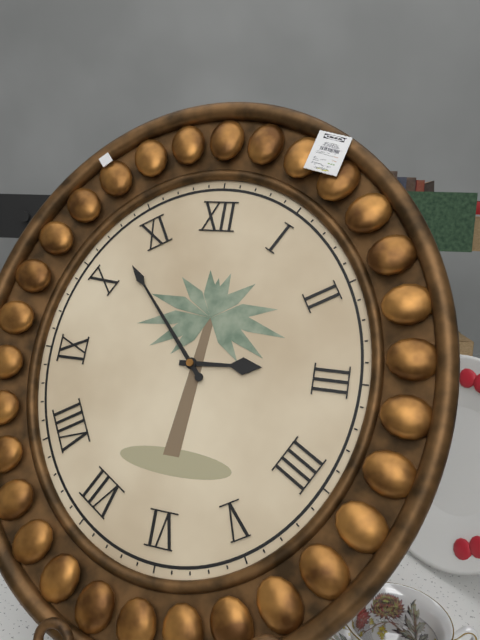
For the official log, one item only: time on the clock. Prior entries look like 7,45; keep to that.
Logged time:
2,53
